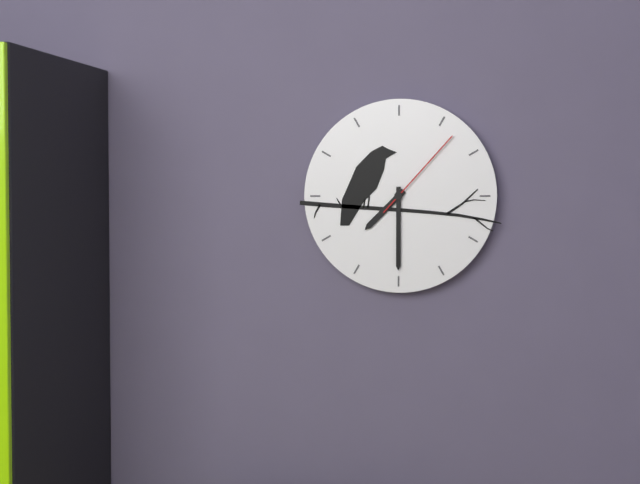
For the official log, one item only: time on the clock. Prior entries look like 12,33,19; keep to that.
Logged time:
7,30,07
